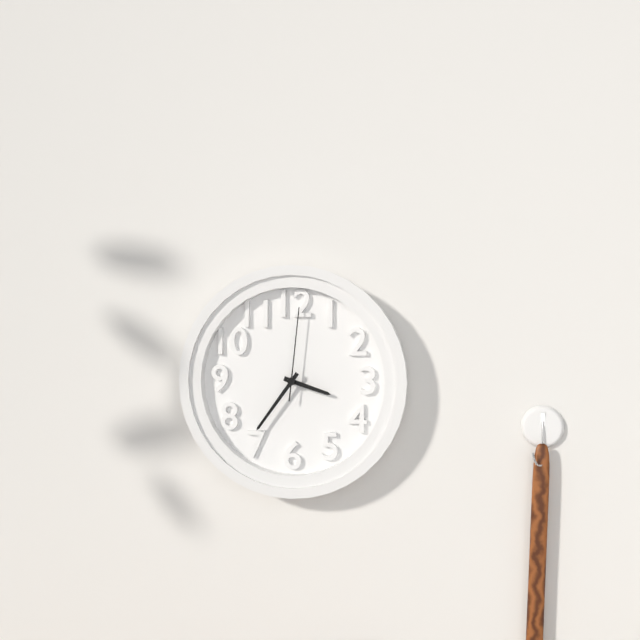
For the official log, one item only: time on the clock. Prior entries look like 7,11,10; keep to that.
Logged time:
3,36,01
